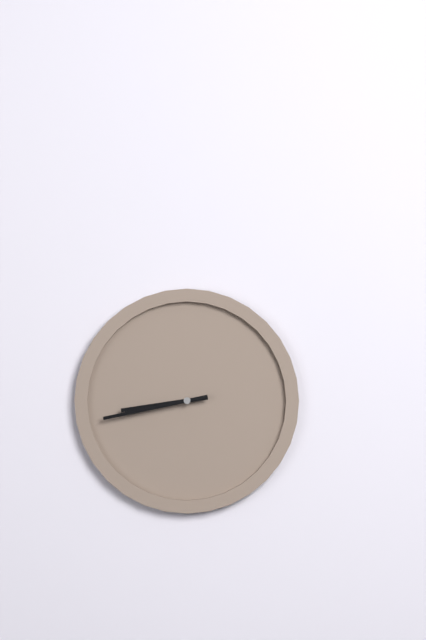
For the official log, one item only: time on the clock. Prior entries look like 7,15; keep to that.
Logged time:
8,43
